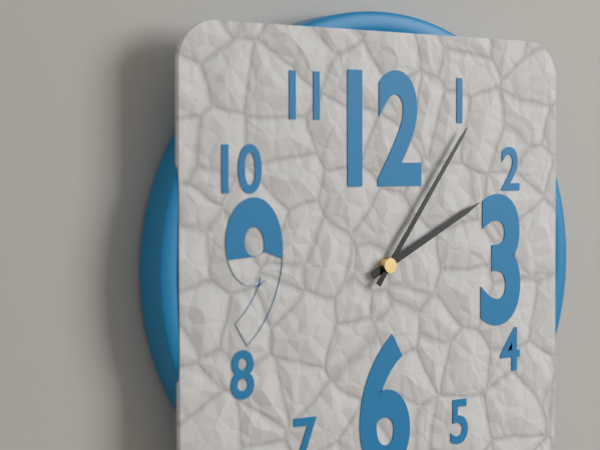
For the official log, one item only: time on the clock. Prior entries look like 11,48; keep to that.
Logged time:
2,06
